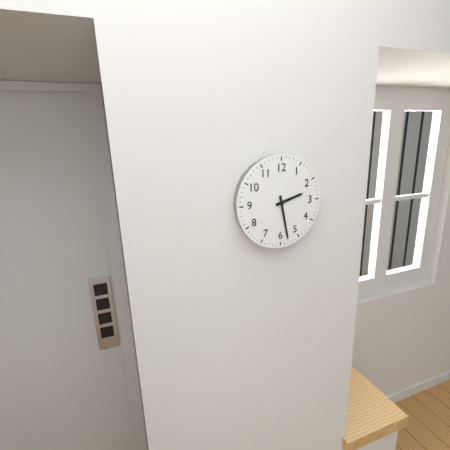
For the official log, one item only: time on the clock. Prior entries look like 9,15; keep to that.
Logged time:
2,28
